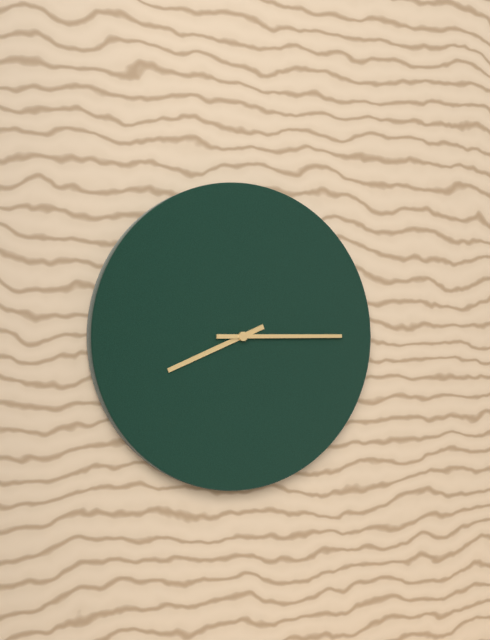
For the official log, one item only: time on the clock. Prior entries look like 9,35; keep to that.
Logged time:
8,15
